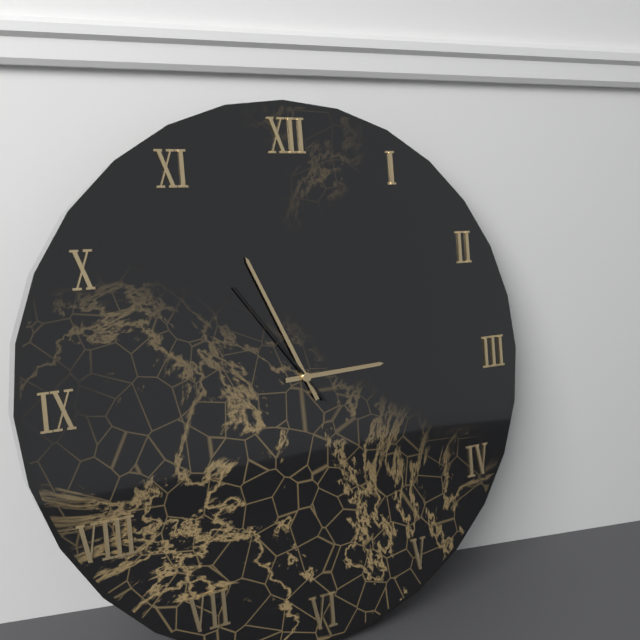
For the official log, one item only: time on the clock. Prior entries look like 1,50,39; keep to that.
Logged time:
2,56,54
